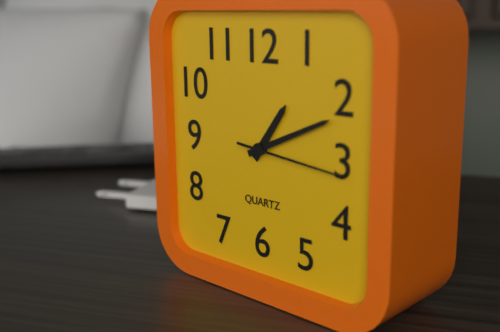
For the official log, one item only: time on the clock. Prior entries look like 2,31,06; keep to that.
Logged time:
1,11,16
